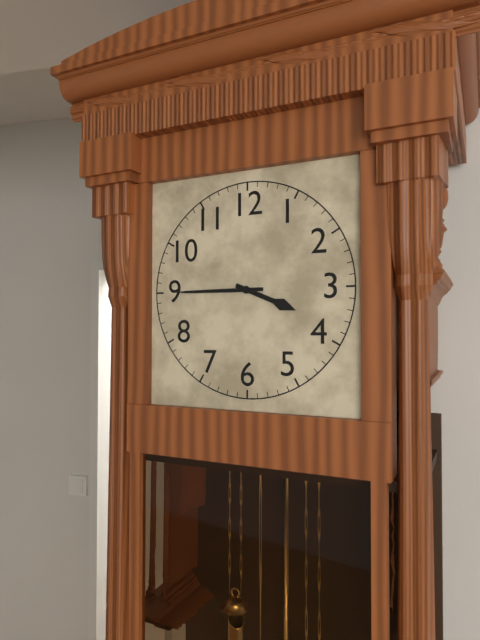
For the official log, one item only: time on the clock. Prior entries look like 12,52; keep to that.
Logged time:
3,45
